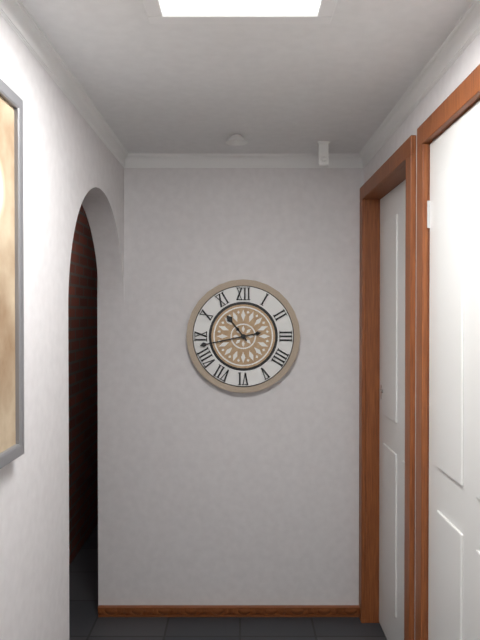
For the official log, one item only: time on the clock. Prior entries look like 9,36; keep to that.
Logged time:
10,43
